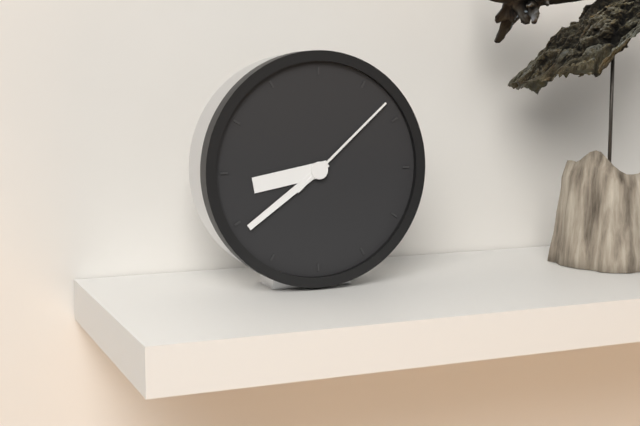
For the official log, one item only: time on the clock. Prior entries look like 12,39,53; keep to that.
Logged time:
8,39,08
